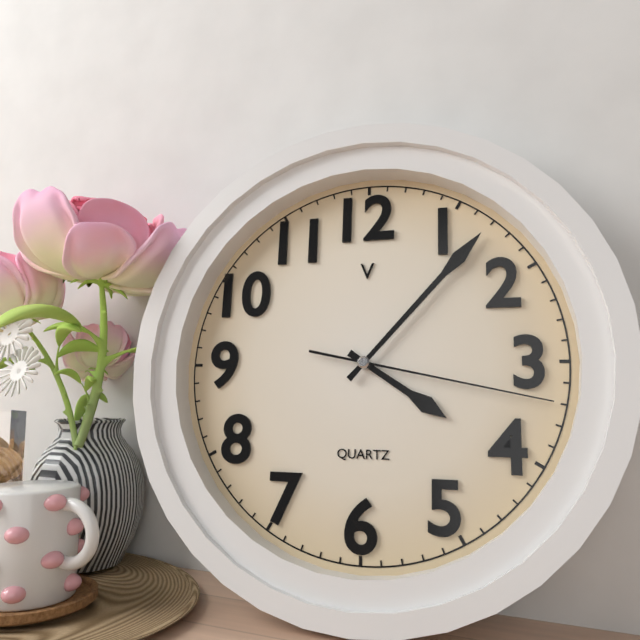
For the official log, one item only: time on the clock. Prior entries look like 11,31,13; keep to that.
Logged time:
4,07,17
